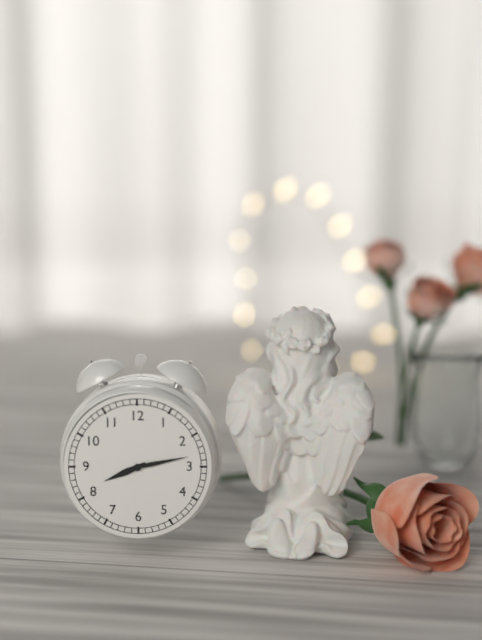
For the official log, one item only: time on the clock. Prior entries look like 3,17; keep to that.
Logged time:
8,13
